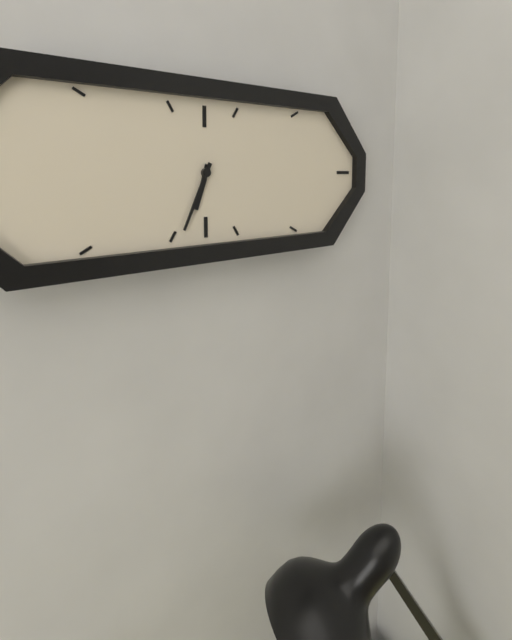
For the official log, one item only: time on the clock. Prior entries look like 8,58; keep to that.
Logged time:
6,34
